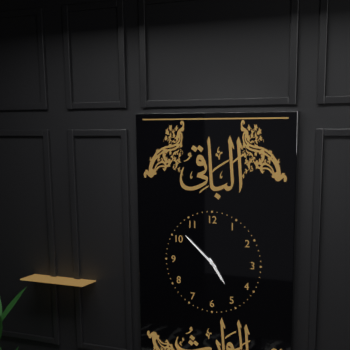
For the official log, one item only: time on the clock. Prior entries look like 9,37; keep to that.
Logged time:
4,52
